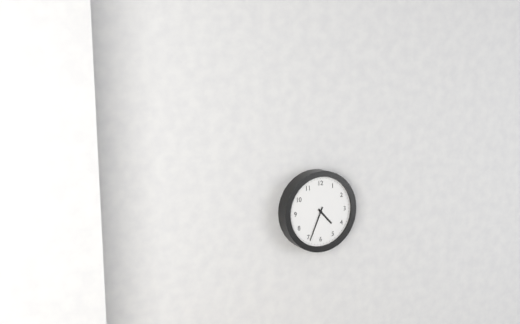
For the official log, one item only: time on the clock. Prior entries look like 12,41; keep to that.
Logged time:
4,34
